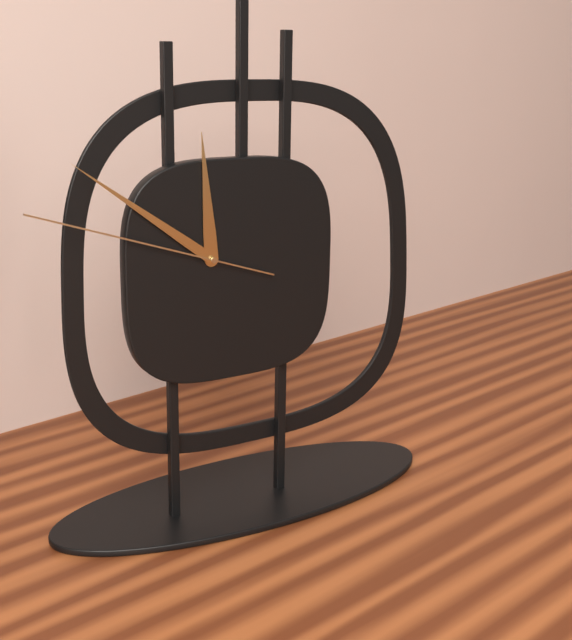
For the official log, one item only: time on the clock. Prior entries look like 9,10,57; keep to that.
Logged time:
11,51,48
